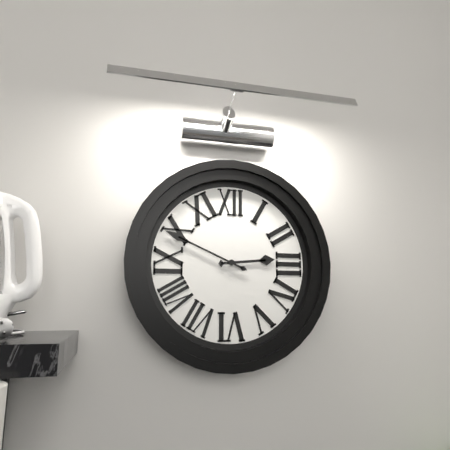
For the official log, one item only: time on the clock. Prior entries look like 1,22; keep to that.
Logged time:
2,49
